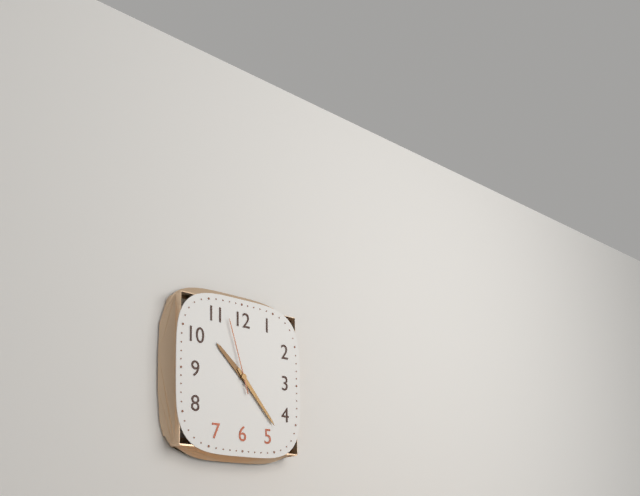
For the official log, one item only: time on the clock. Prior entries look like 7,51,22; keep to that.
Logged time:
10,23,57
